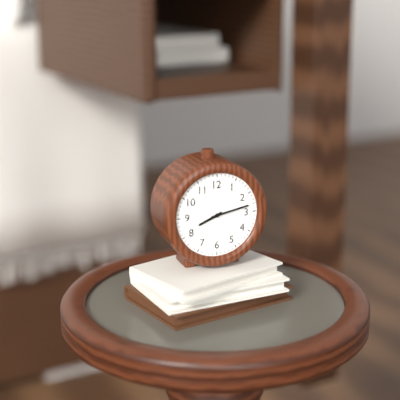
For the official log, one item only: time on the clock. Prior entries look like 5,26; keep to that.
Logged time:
8,13
